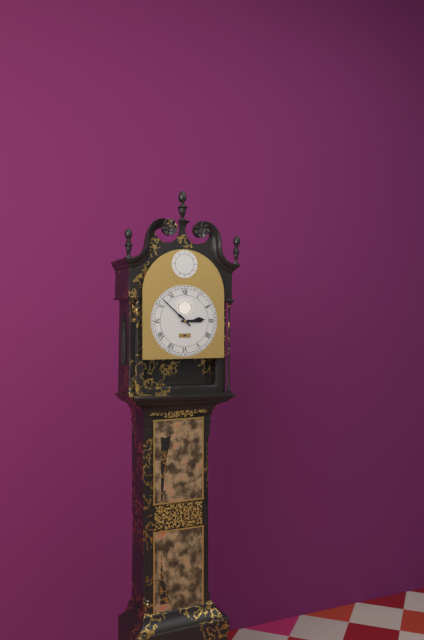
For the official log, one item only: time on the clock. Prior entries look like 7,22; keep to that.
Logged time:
2,52
